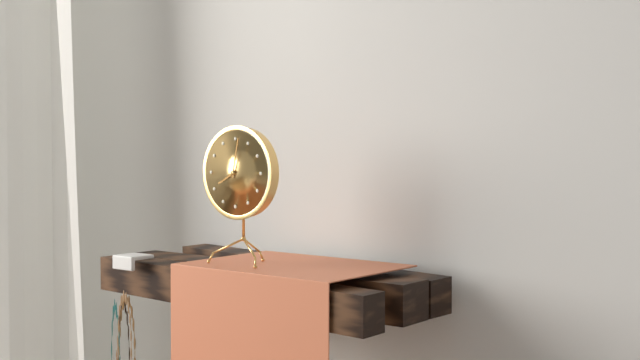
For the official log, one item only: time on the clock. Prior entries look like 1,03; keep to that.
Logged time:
8,02
